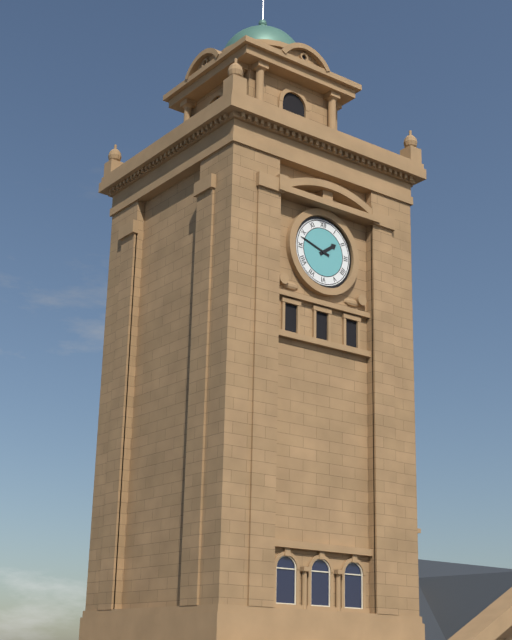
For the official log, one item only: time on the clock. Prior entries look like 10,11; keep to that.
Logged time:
1,48
